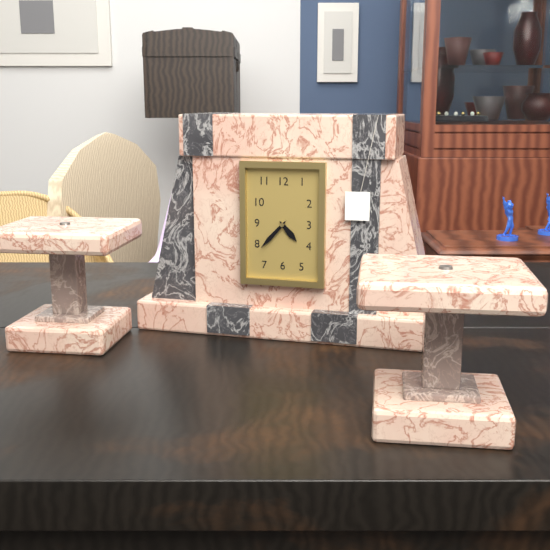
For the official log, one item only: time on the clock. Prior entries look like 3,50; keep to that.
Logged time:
4,37
